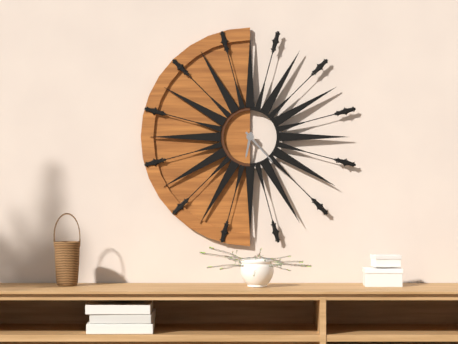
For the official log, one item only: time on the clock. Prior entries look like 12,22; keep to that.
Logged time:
6,23
